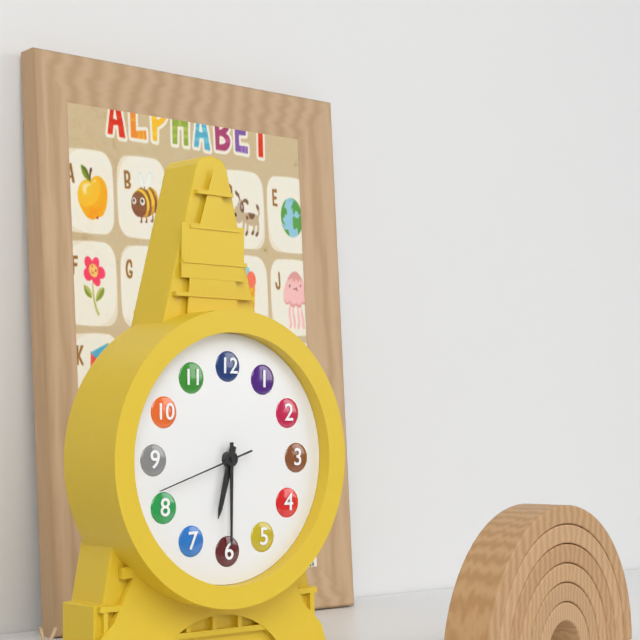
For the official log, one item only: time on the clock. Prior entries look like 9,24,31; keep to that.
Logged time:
6,30,42
